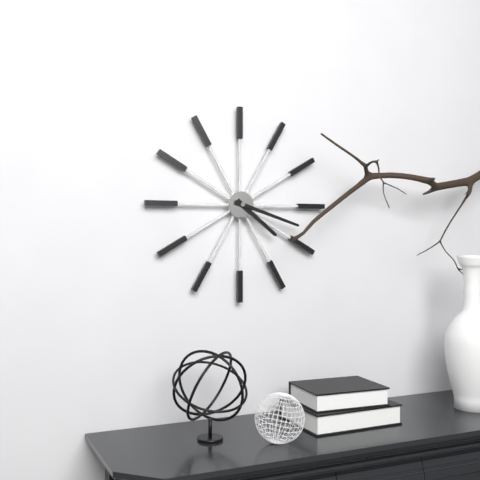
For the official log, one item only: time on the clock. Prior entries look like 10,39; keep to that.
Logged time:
4,18
